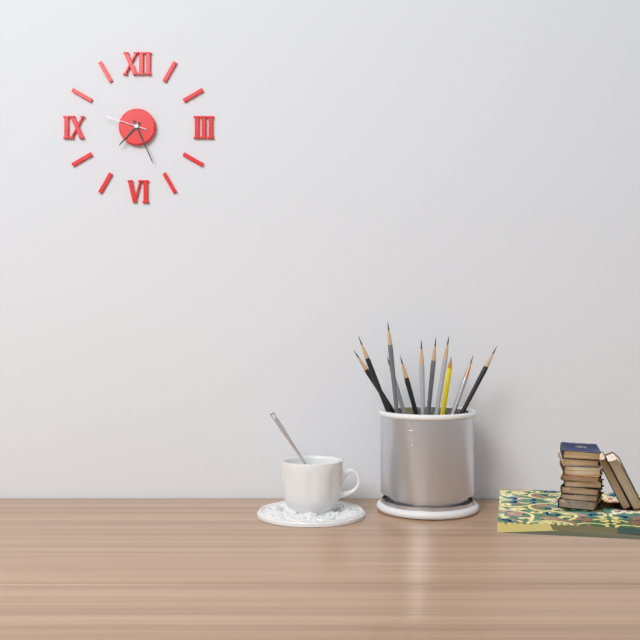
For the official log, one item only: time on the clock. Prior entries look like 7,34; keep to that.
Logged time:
7,26
